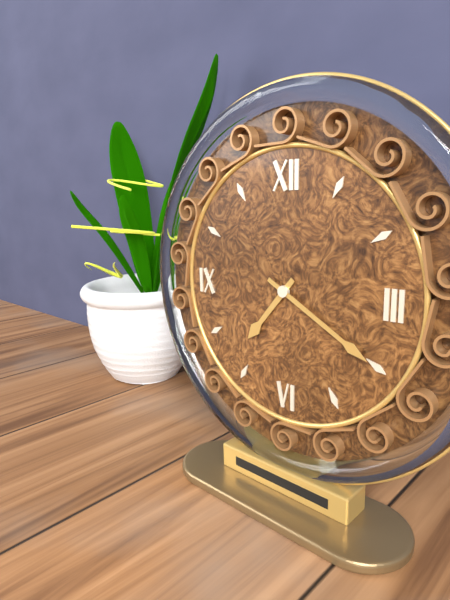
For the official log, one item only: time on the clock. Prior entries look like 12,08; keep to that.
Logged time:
7,20
